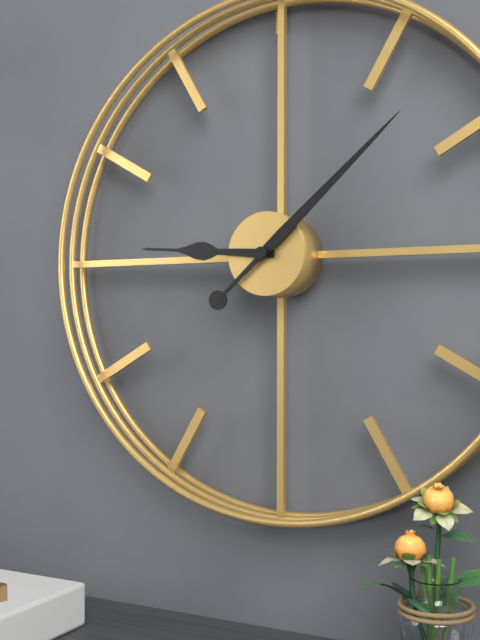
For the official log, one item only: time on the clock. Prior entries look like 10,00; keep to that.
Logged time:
9,08
